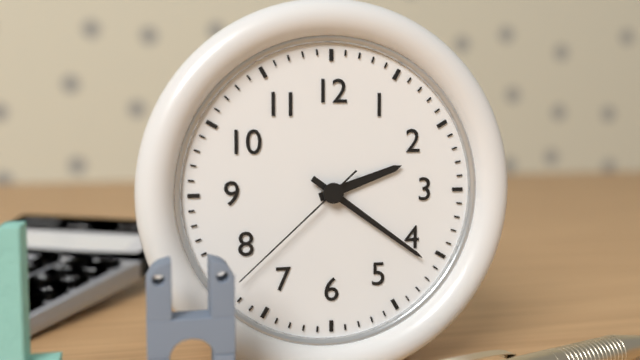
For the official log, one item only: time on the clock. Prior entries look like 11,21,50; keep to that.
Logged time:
2,21,38
